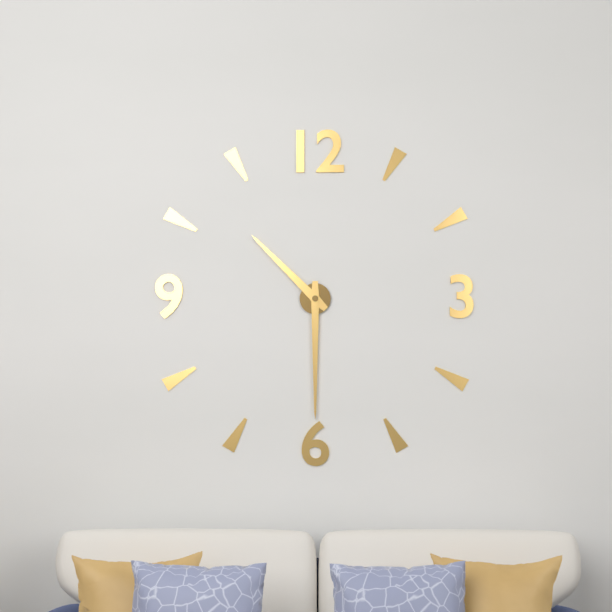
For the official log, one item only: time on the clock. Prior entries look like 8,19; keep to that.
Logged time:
10,30
